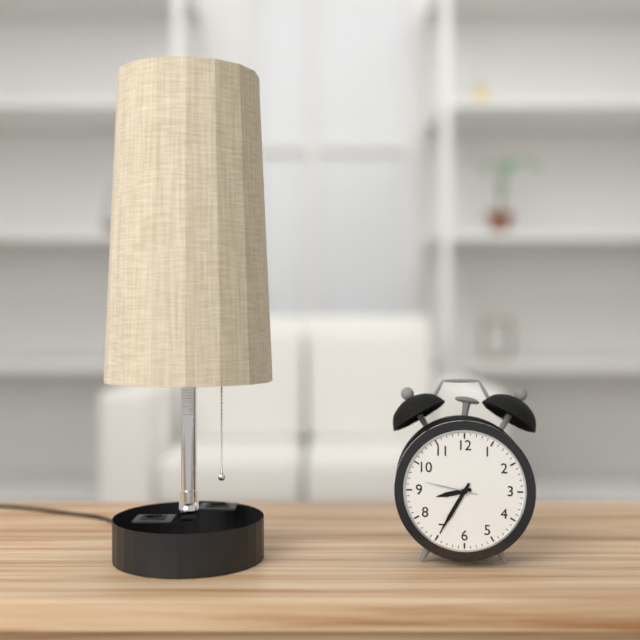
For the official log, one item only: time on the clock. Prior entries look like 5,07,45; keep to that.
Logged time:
8,35,47
